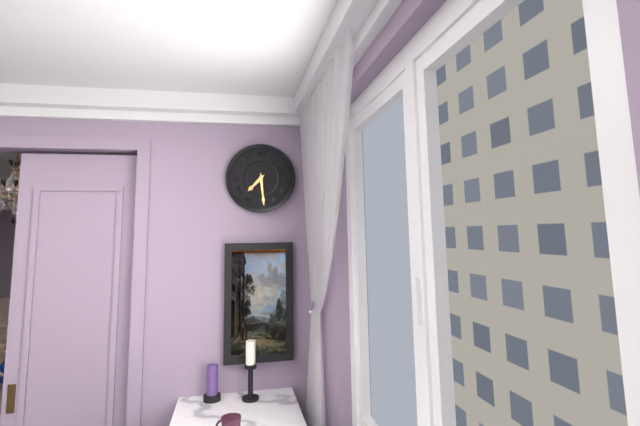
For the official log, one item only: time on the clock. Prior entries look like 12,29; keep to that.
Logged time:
7,29
